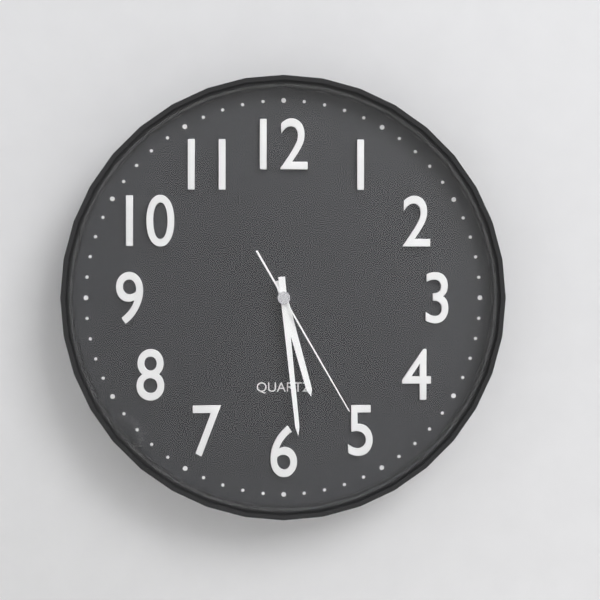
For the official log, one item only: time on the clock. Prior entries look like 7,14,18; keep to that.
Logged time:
5,29,25
